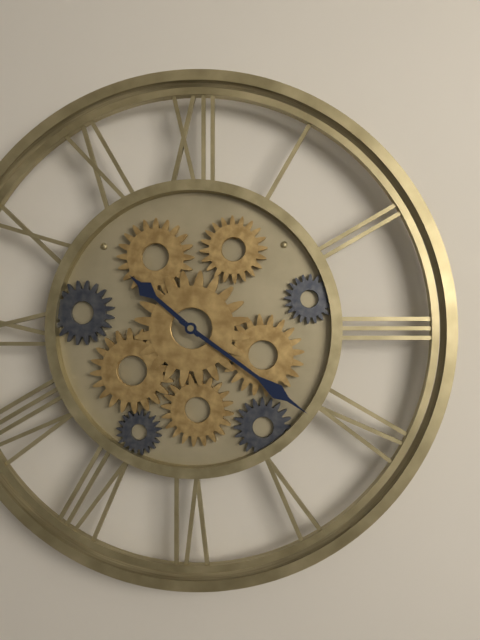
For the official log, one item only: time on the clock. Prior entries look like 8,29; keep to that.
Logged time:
10,21
